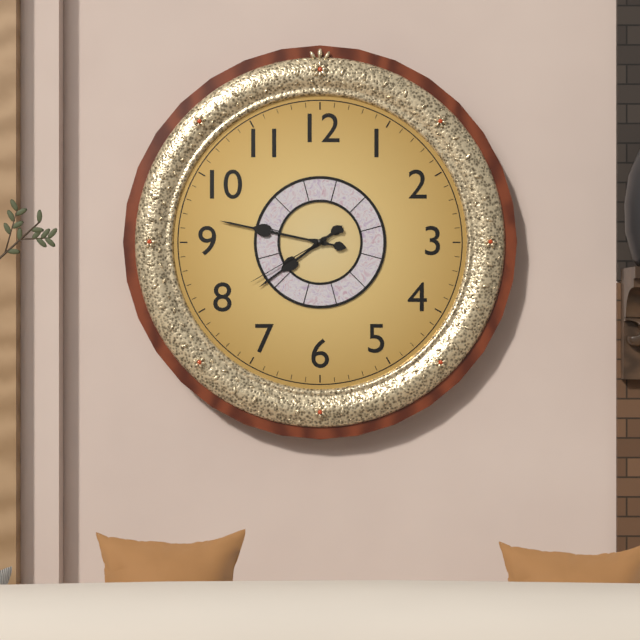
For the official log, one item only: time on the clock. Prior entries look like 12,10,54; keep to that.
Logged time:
7,47,40
